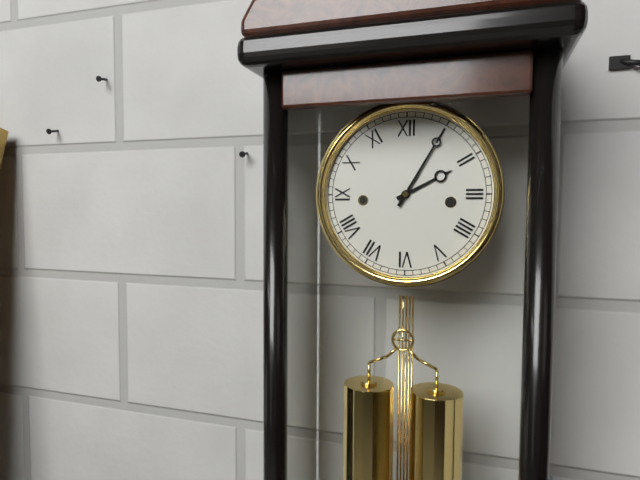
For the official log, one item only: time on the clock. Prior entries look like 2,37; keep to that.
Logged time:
2,05
